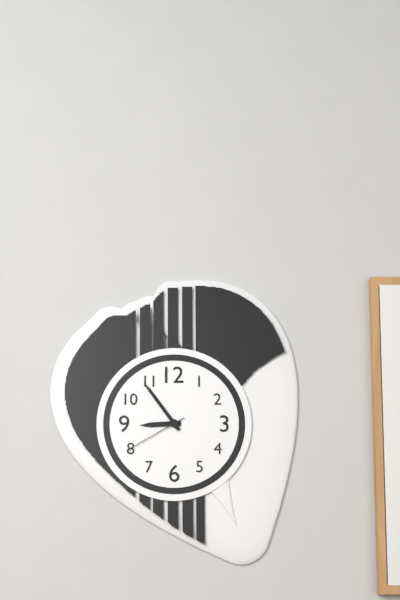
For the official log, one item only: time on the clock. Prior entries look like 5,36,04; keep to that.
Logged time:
8,54,40
